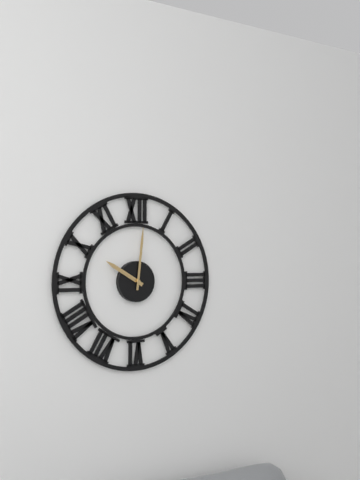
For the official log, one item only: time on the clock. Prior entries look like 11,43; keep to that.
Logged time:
10,01
